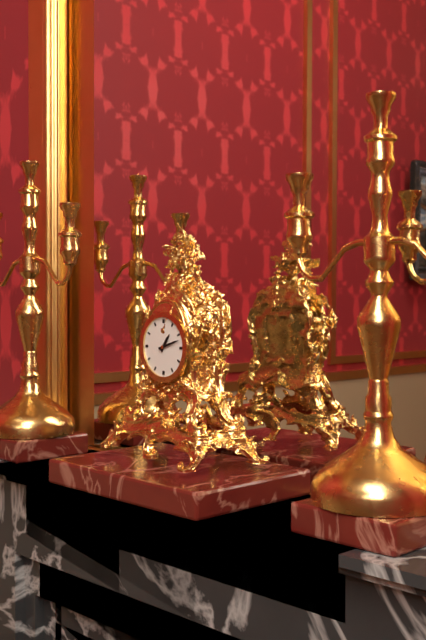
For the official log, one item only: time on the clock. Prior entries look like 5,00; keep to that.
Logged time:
1,12
